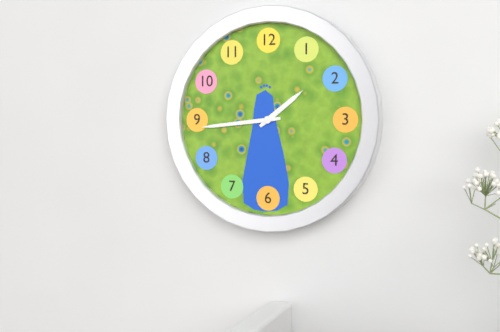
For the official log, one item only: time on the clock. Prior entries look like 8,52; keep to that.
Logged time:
1,44
